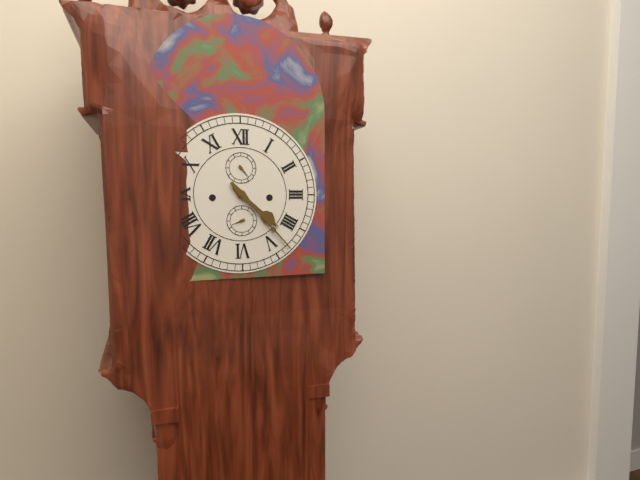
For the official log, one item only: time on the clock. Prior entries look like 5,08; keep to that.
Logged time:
4,23
